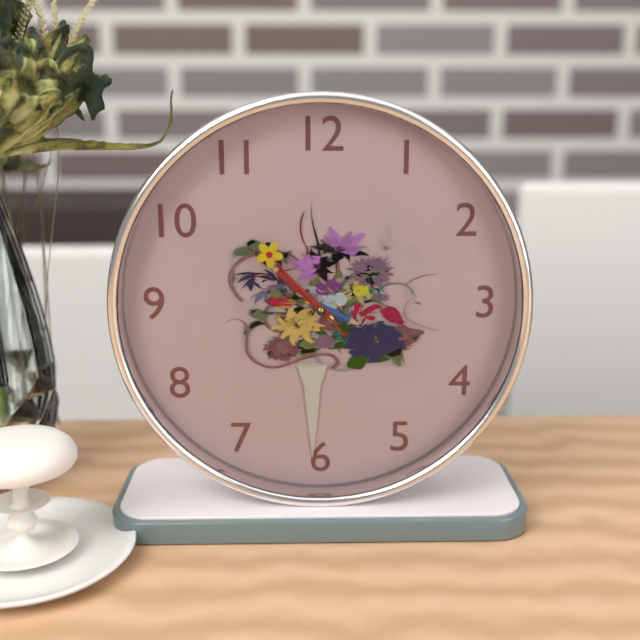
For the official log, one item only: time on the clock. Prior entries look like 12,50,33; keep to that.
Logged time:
3,52,53
